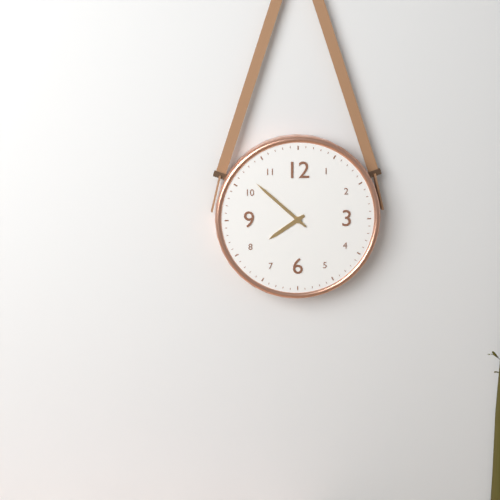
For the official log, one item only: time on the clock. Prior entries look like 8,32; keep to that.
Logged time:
7,52
